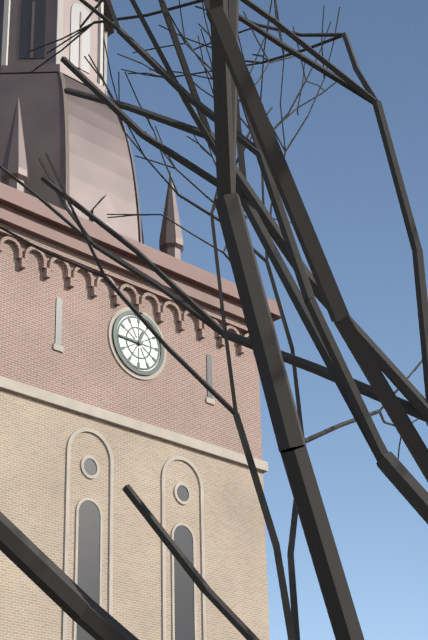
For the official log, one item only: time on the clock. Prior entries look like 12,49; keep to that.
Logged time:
12,45
